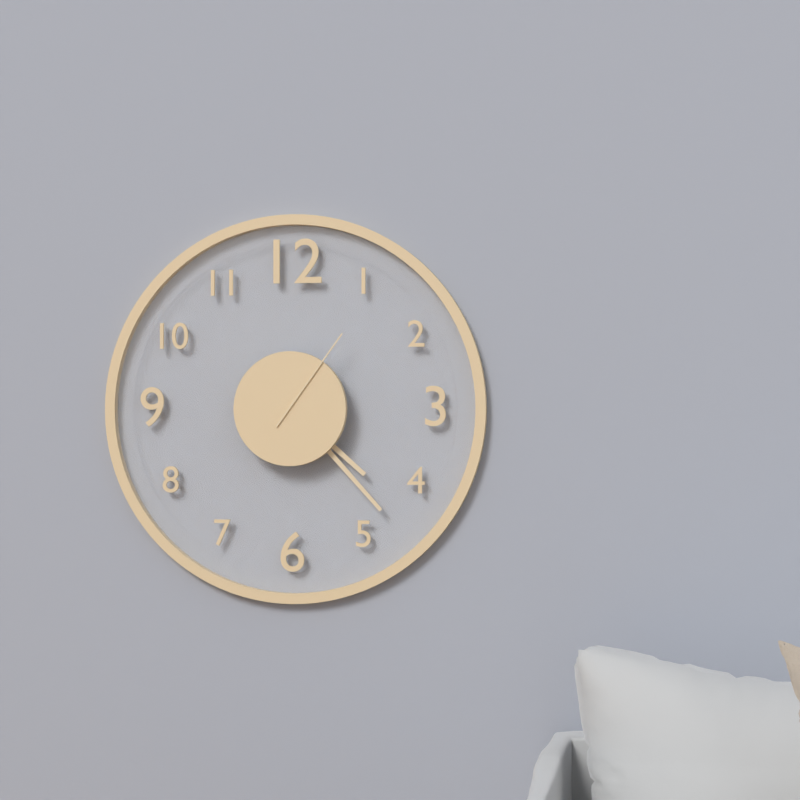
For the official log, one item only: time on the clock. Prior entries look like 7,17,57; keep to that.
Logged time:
4,23,06
